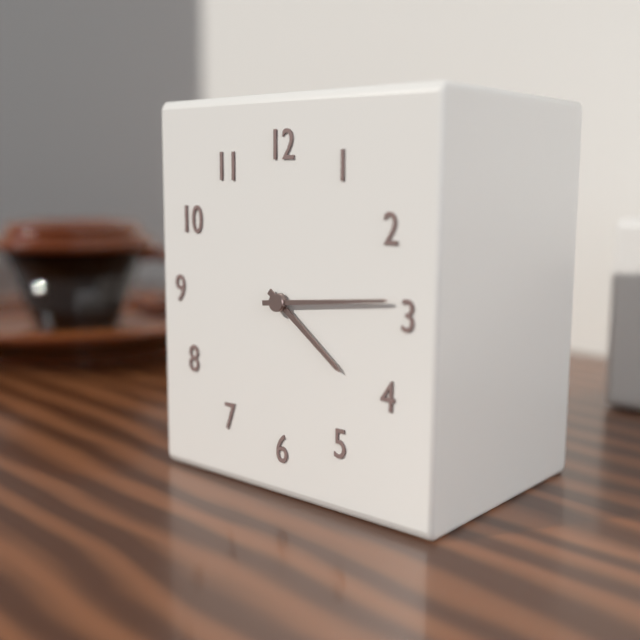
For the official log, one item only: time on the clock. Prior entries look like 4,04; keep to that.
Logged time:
4,14
